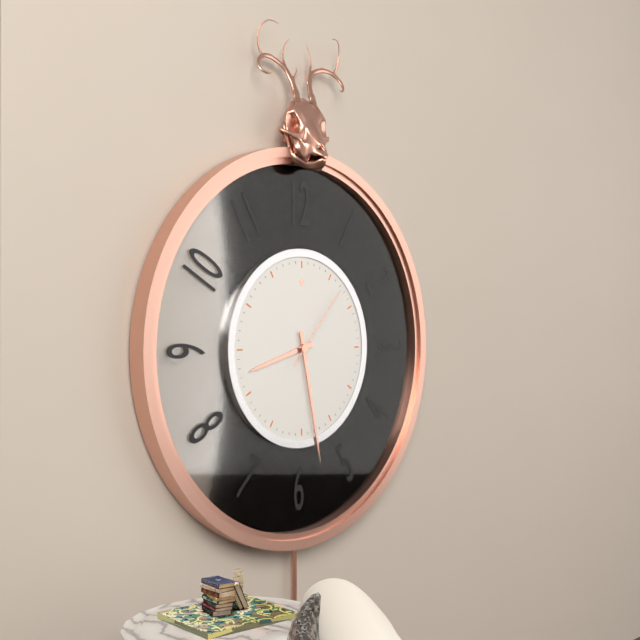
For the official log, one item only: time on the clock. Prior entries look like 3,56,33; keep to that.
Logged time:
8,28,07
